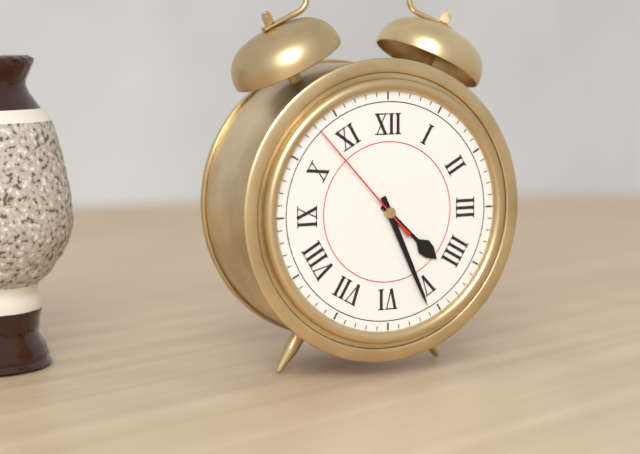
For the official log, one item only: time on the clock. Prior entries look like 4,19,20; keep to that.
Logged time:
4,26,53
